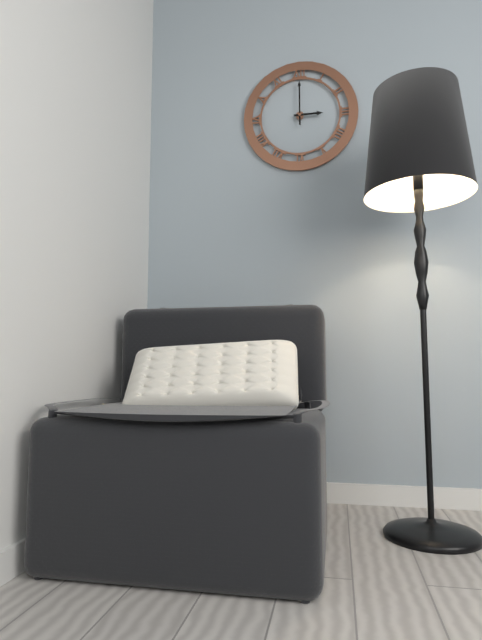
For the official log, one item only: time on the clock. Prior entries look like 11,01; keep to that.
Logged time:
3,00
